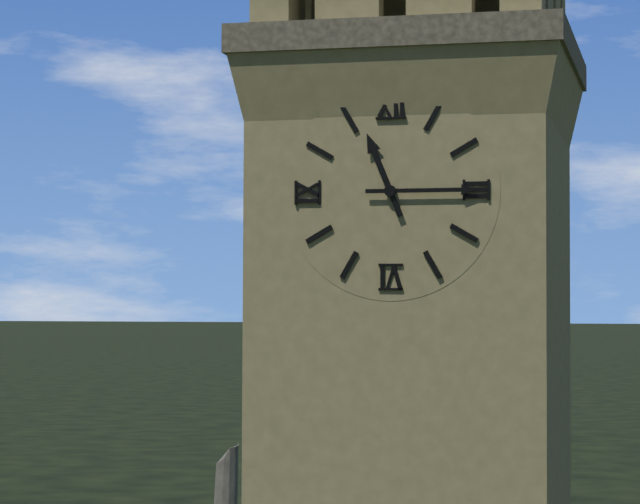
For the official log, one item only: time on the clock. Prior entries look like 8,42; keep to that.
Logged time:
11,15
